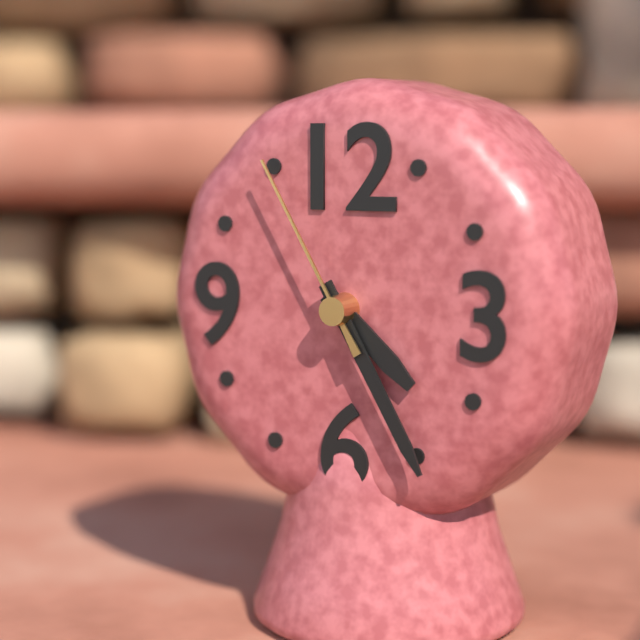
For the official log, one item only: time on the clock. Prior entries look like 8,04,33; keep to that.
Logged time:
4,25,55
